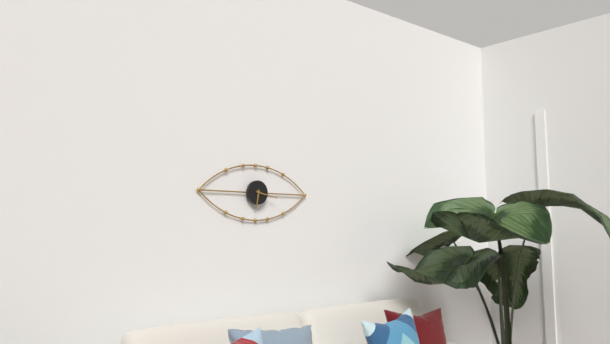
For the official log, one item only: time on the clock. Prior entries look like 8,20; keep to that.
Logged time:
6,17
